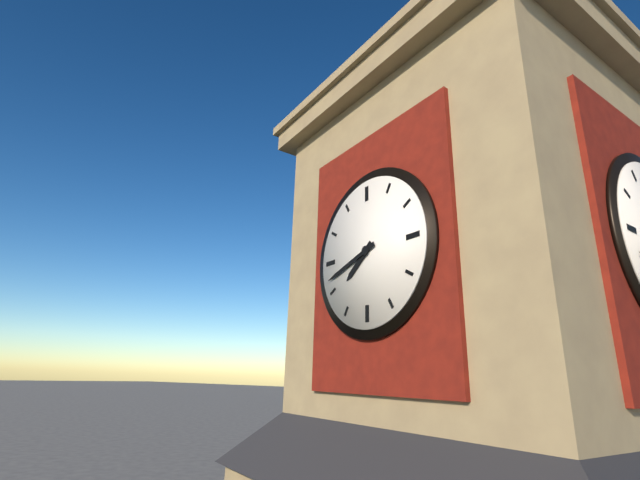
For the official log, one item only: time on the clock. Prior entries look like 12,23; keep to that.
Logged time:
7,42
